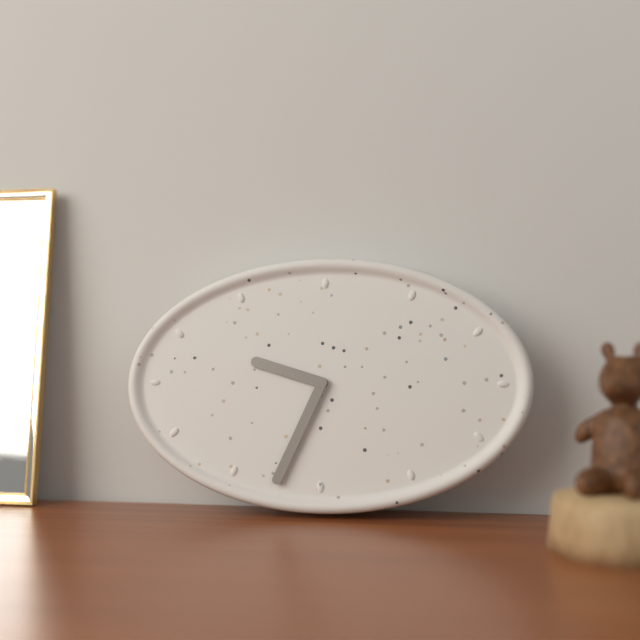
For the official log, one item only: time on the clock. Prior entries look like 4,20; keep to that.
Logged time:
9,34
